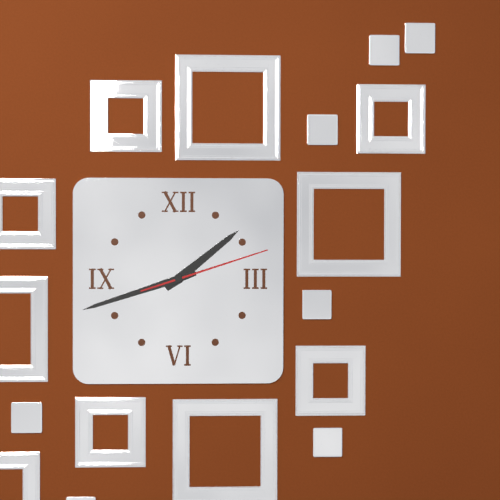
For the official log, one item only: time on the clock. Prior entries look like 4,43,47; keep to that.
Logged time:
1,42,12
